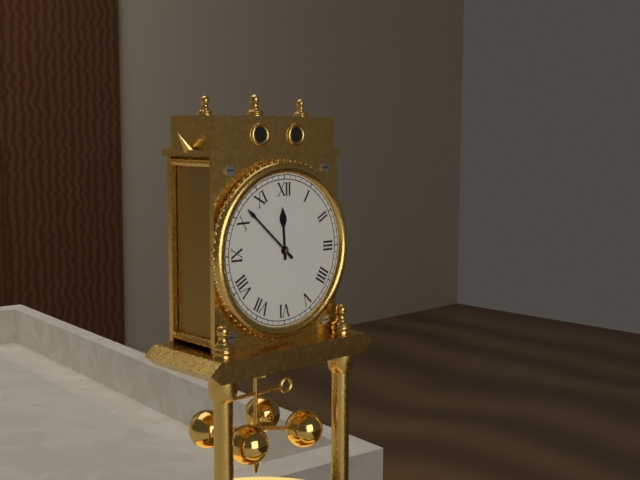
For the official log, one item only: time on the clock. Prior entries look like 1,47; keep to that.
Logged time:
11,52
